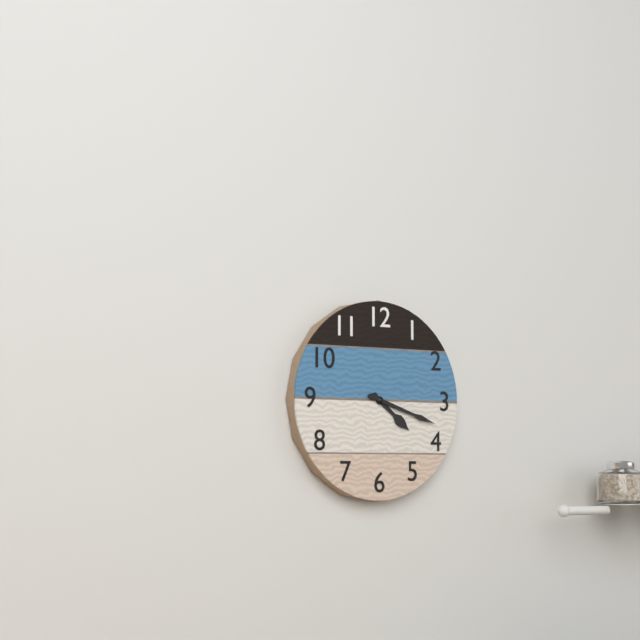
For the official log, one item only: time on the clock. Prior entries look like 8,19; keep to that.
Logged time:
4,18
